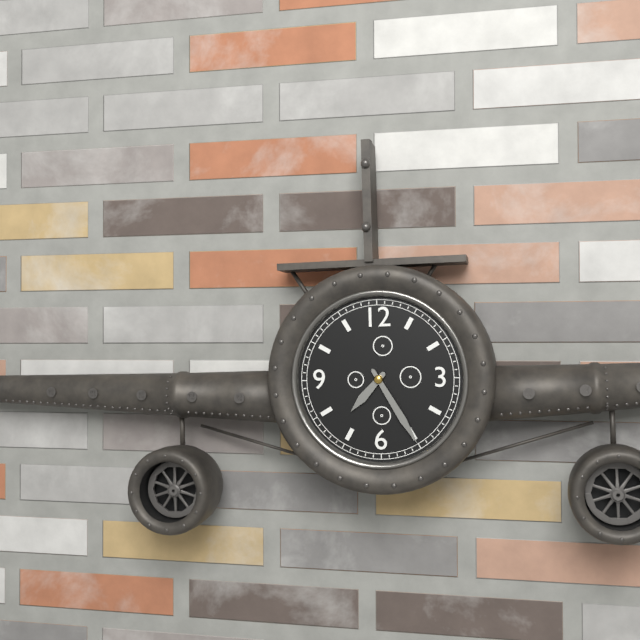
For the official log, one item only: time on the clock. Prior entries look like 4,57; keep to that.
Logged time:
7,25
